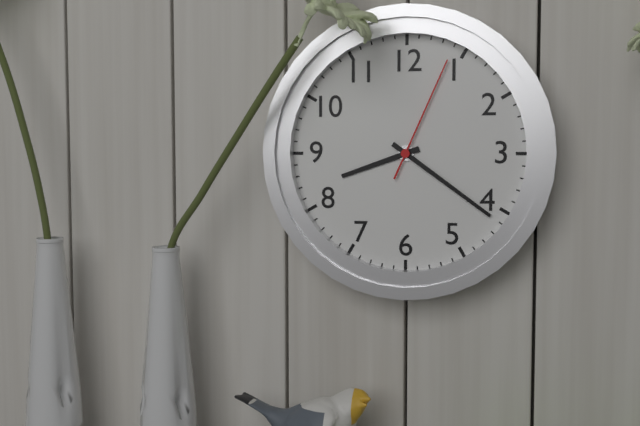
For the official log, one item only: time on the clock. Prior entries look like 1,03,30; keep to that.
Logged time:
8,21,04
